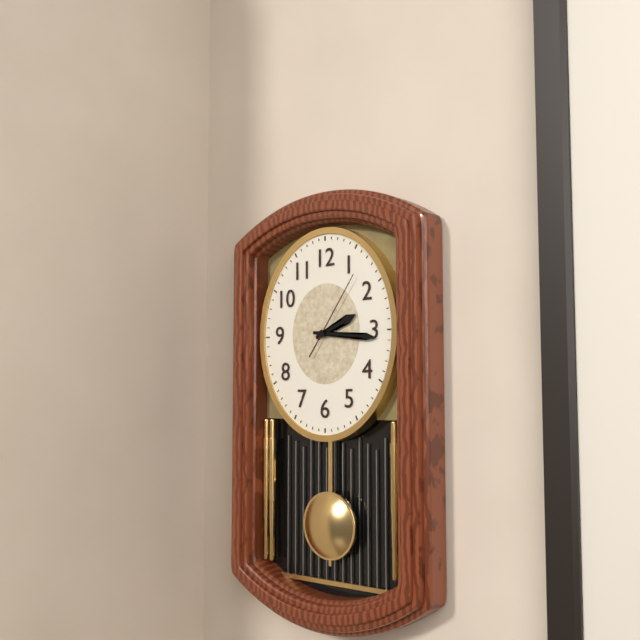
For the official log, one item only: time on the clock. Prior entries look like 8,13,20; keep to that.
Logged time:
2,16,06
